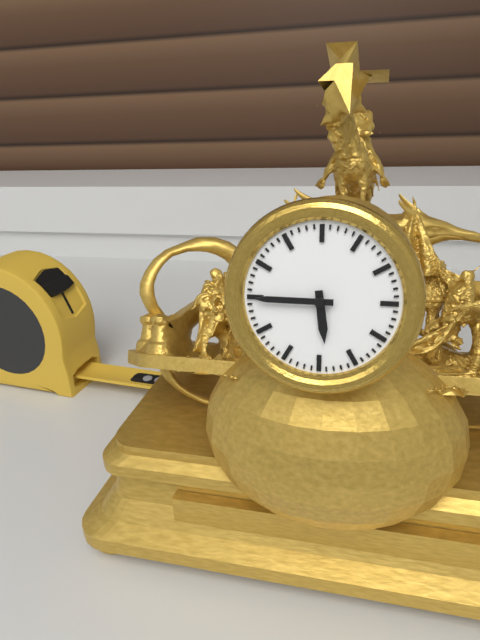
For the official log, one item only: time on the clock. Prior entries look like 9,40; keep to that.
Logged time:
5,45
